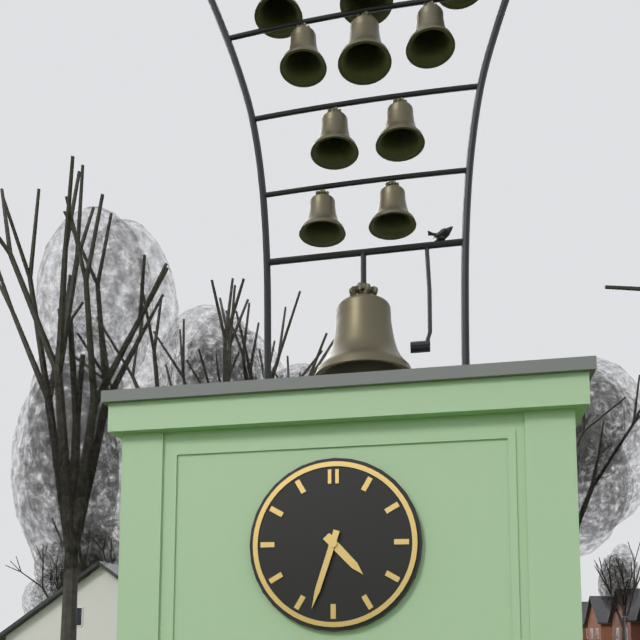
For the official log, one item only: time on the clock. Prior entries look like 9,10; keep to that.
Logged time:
4,33
